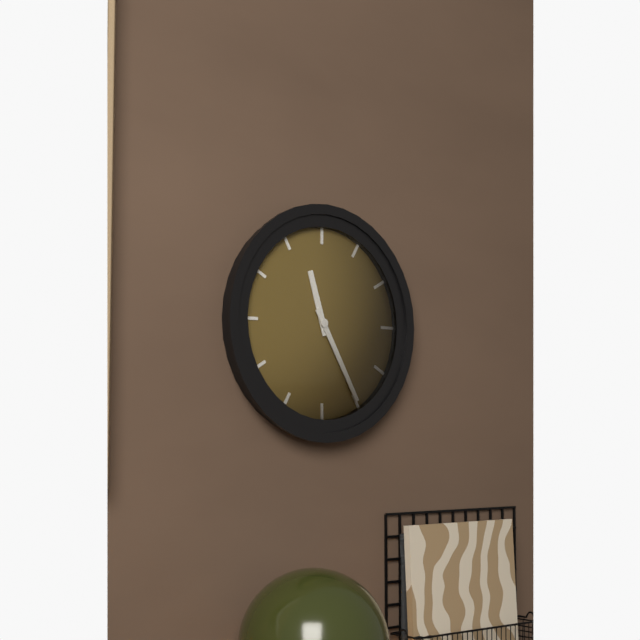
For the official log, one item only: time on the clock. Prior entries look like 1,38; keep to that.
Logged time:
11,25
